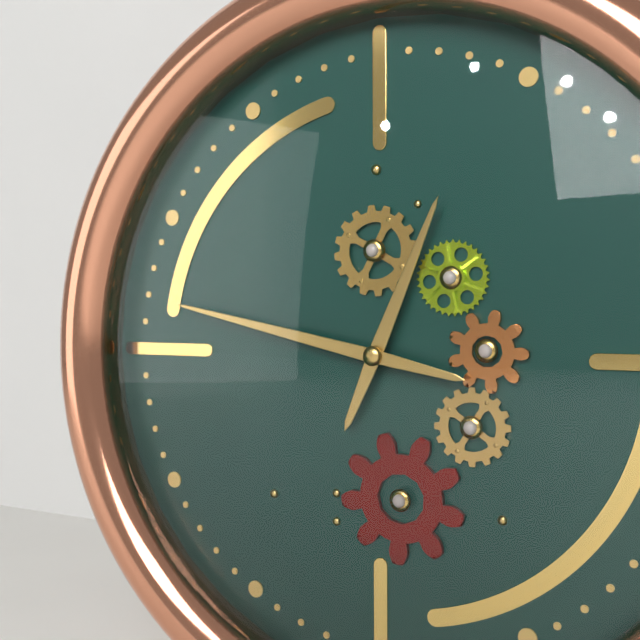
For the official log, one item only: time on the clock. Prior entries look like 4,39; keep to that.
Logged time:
12,47
